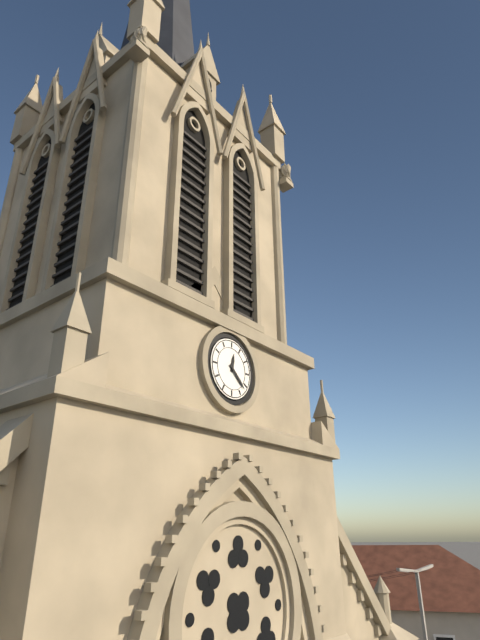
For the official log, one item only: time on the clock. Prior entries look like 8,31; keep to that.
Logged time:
12,22
